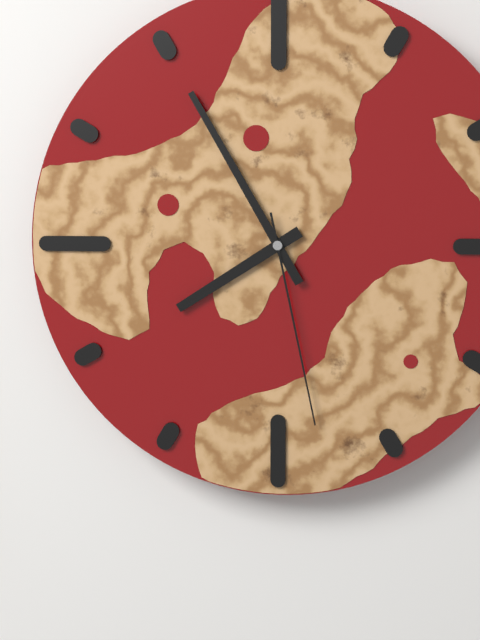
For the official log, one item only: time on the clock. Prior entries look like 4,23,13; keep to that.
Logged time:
7,55,28
